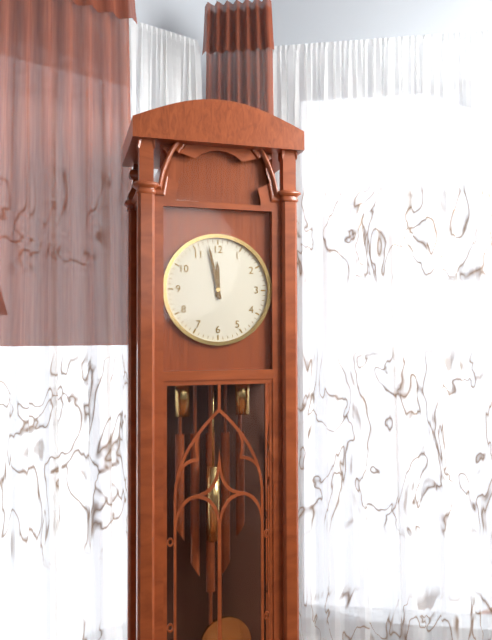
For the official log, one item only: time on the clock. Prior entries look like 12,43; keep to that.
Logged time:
11,58
